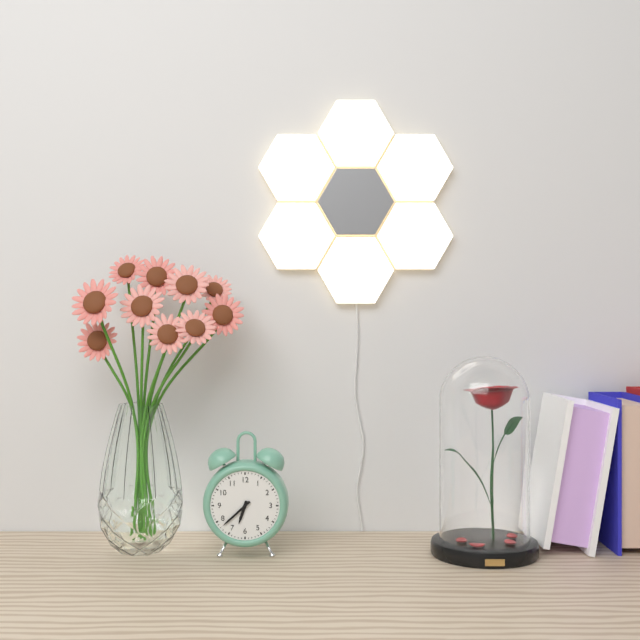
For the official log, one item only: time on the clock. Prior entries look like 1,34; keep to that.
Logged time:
6,38
